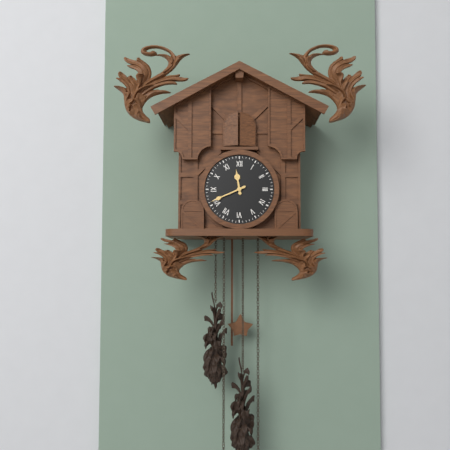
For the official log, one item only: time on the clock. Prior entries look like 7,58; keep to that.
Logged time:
11,41
